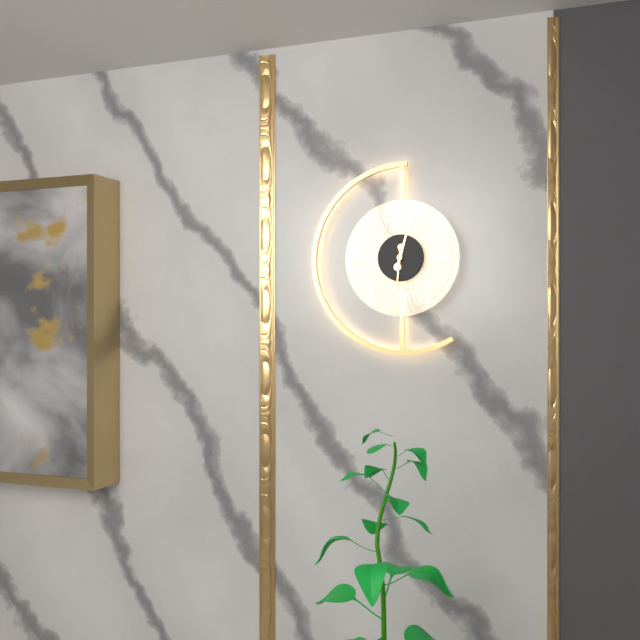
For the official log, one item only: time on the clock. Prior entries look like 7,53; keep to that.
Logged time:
12,31
